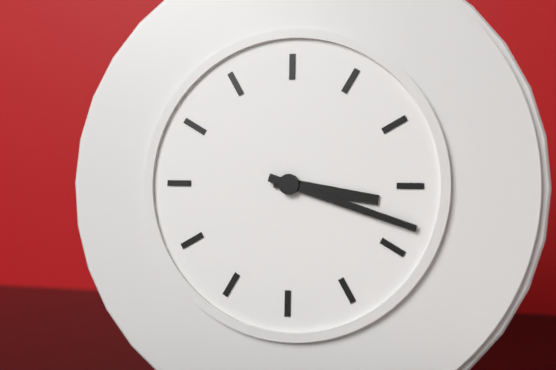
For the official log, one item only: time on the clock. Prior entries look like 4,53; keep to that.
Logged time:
3,18
